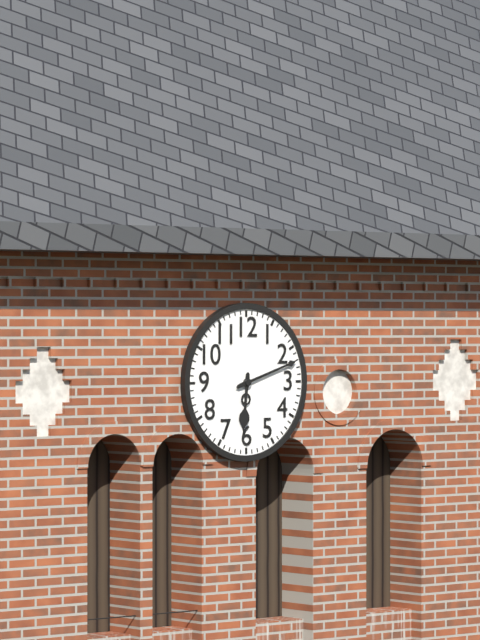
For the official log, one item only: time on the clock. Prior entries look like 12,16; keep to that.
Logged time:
6,12
